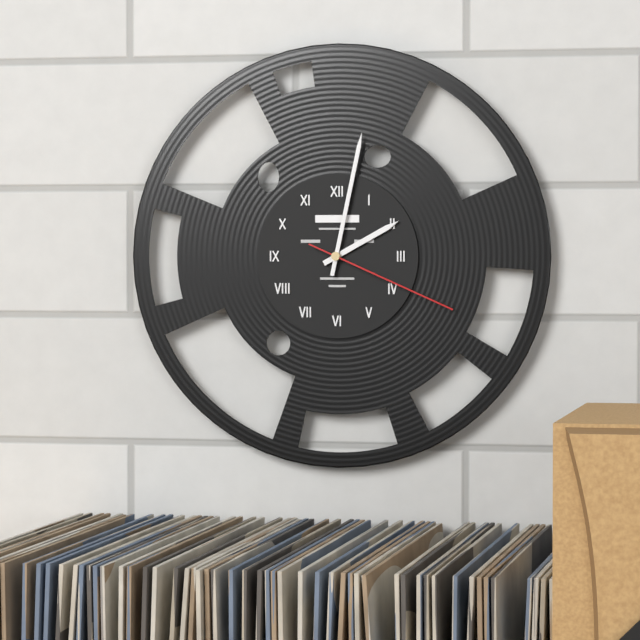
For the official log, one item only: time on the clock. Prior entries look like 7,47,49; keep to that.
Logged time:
2,02,19
